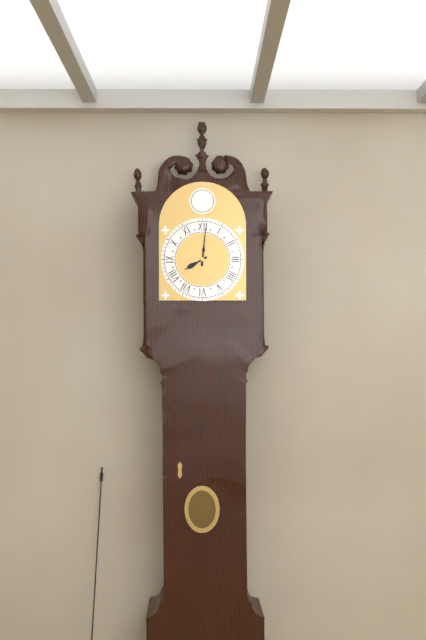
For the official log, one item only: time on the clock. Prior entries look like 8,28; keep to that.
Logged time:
8,01
